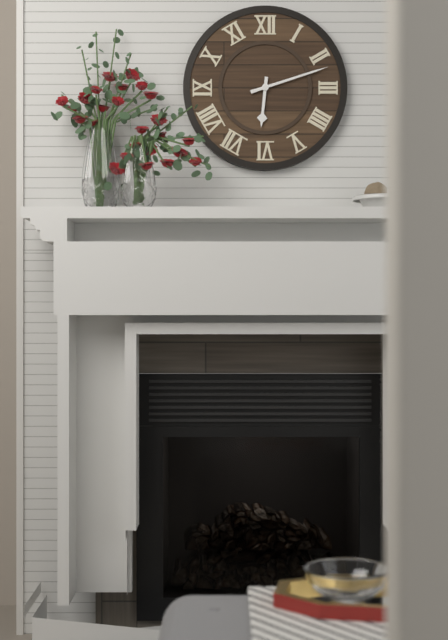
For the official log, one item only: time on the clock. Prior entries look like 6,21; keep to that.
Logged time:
6,12
